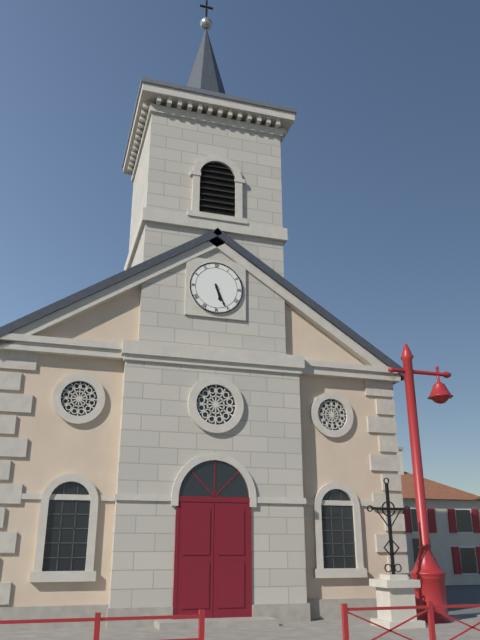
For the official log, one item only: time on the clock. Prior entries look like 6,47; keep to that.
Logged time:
5,26
